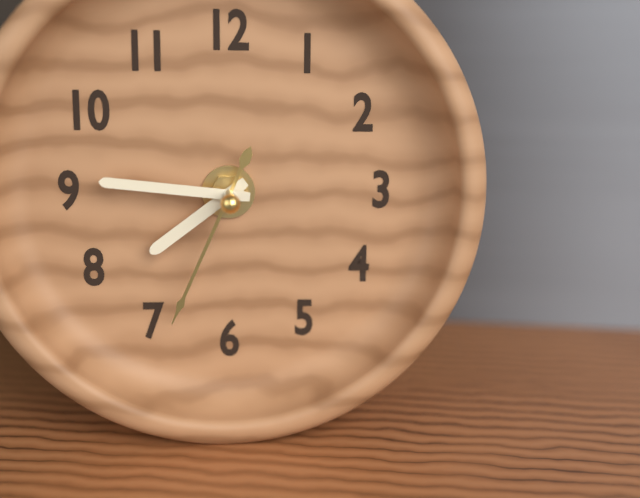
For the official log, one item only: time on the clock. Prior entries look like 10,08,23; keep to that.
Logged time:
7,46,34
